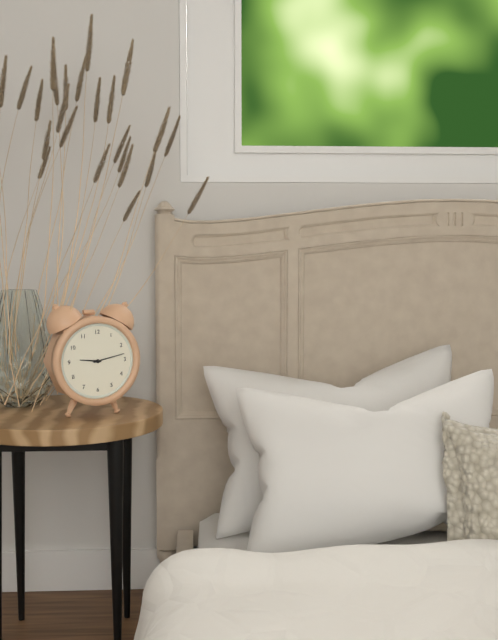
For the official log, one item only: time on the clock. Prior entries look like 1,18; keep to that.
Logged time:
9,13
